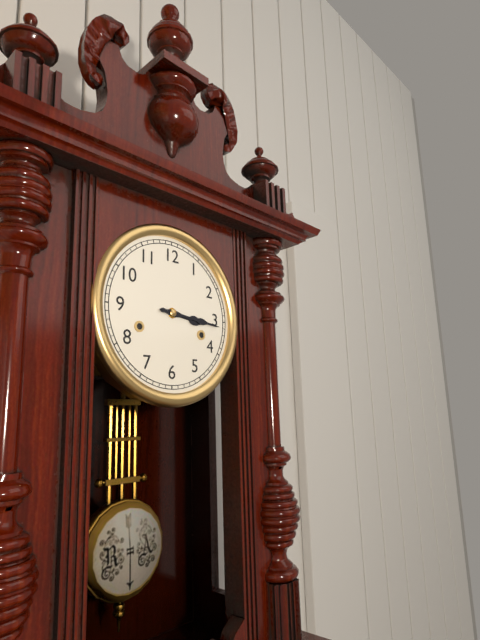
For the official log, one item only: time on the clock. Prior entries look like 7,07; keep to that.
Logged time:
3,16
